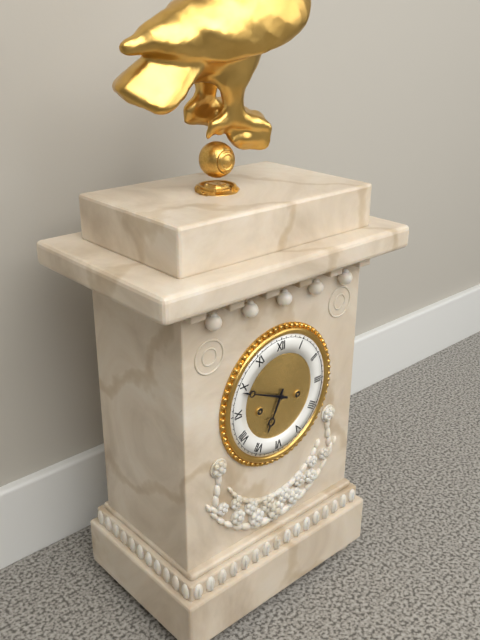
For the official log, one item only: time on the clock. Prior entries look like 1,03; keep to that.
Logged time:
6,49
